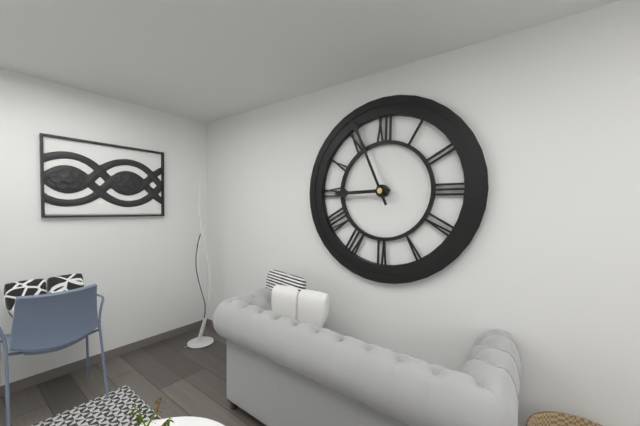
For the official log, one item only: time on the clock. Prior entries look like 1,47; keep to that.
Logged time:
8,56
